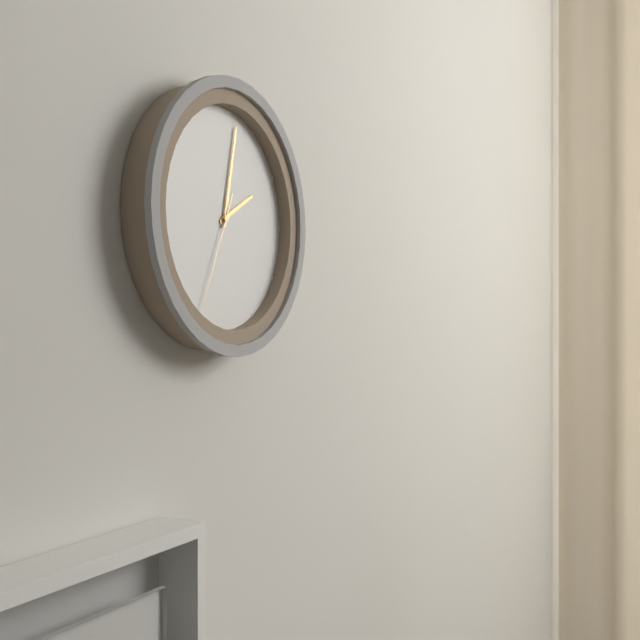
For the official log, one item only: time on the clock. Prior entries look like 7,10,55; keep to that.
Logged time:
2,02,34
